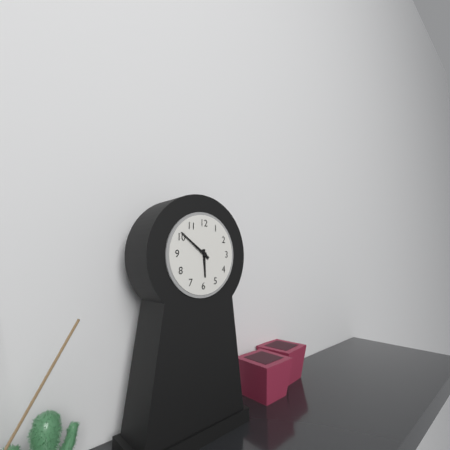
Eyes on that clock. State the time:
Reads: 5:51
